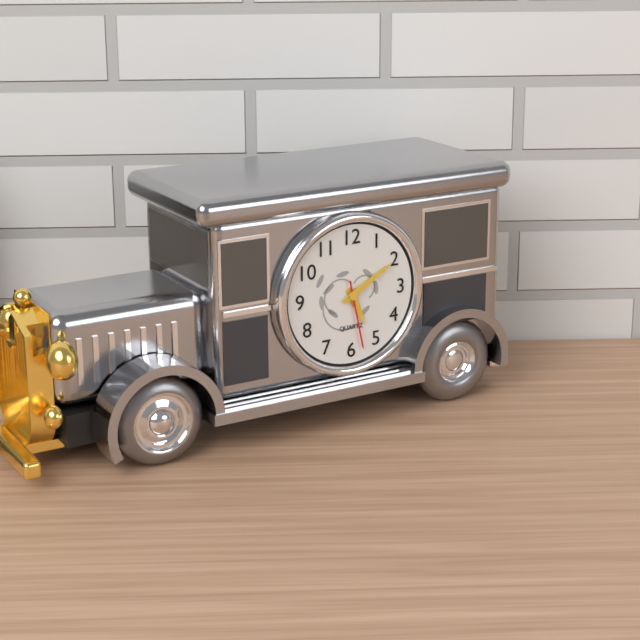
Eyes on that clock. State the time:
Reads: 5:10:28
